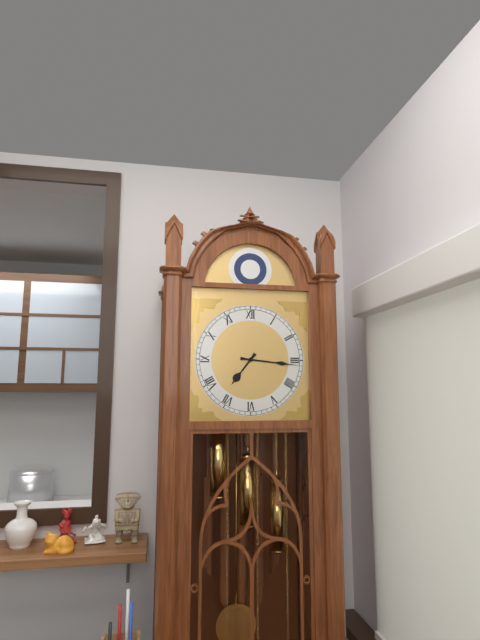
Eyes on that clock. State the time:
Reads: 7:16
